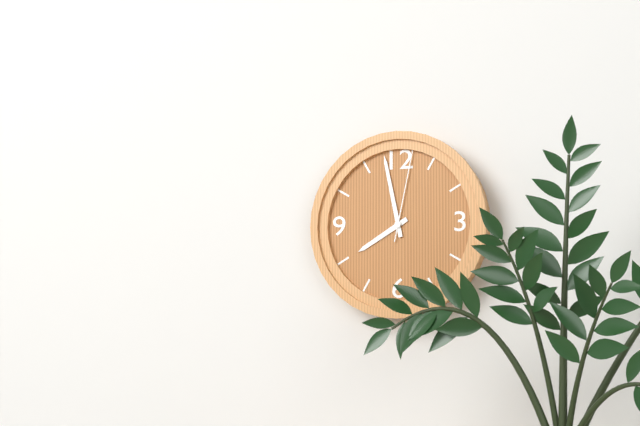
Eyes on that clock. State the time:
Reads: 7:58:02
